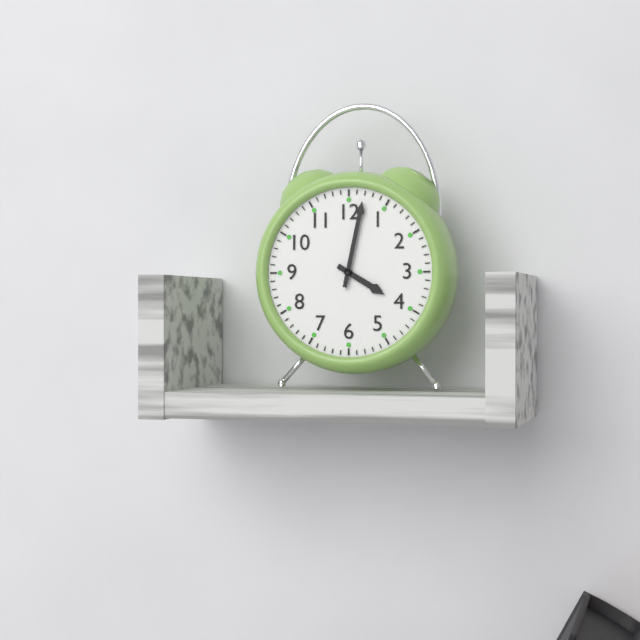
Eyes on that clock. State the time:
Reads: 4:02
